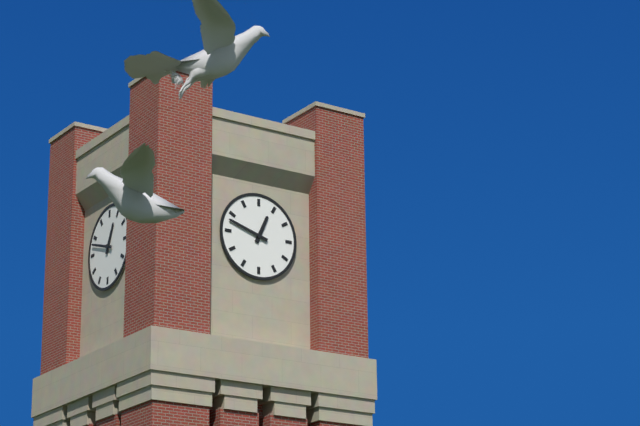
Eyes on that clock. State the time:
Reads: 12:48
